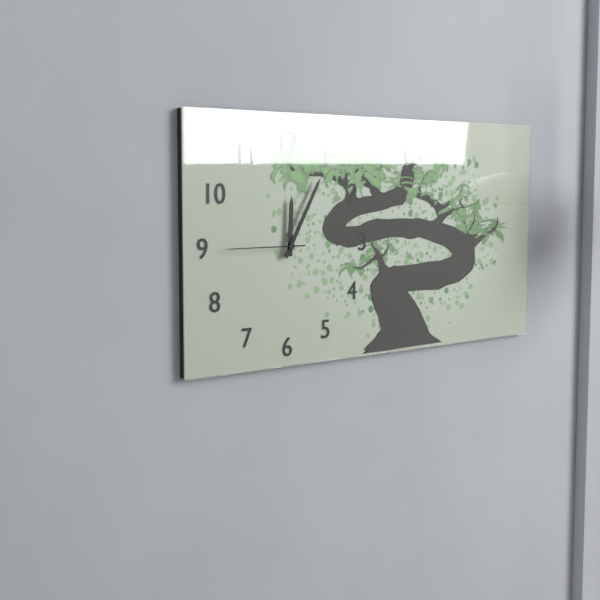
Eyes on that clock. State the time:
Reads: 12:05:45
